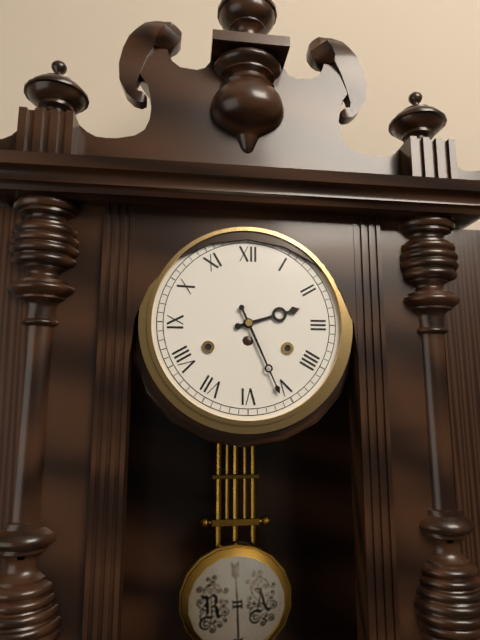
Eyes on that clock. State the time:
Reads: 2:26
